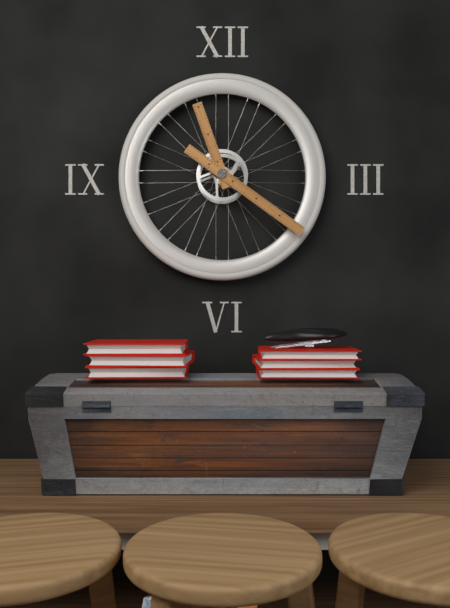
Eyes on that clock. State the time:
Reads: 11:21
